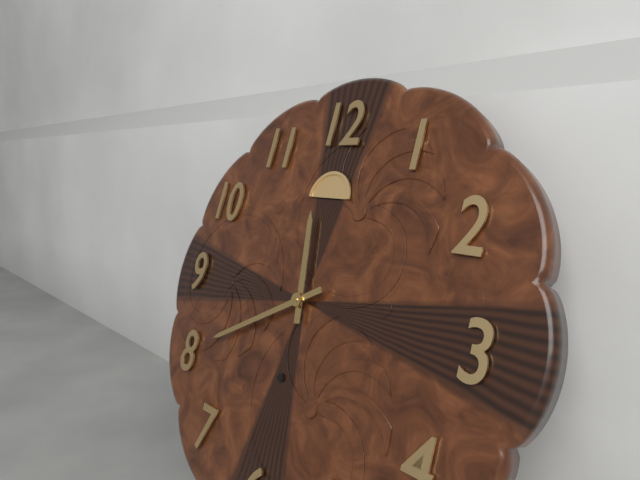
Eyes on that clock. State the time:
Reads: 11:40
